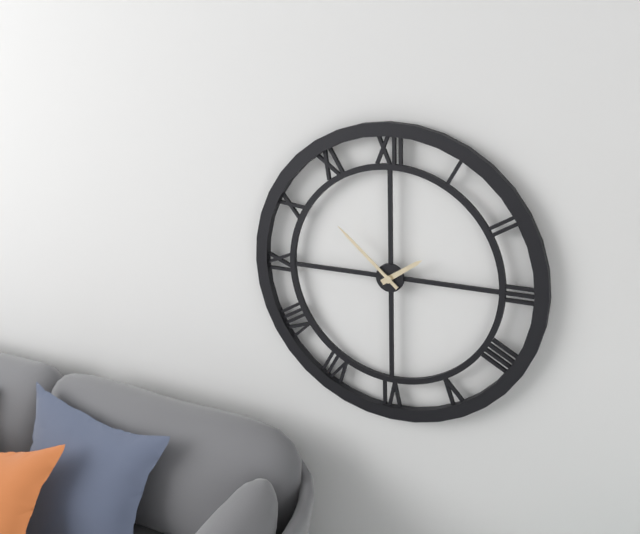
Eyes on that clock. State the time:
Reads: 1:52
